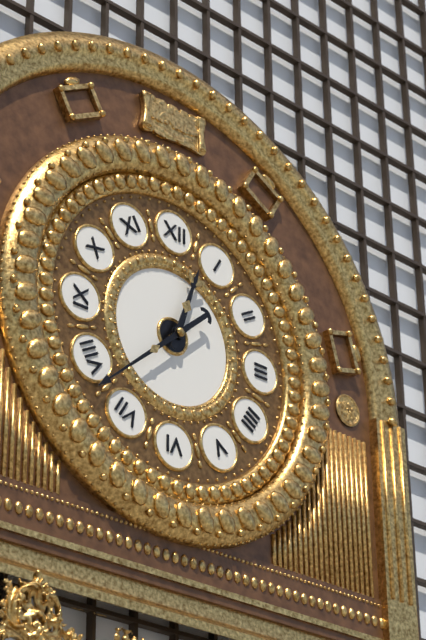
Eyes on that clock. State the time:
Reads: 12:38
